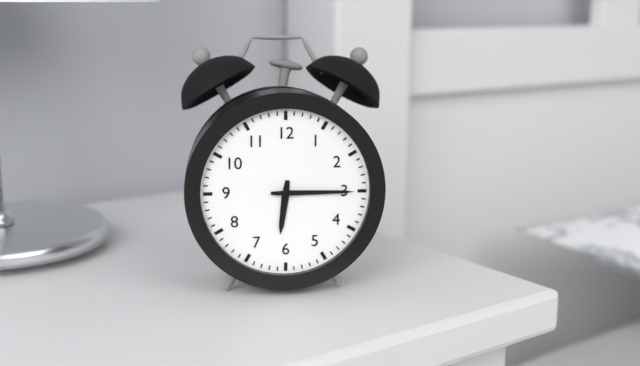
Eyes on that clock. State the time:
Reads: 6:15
